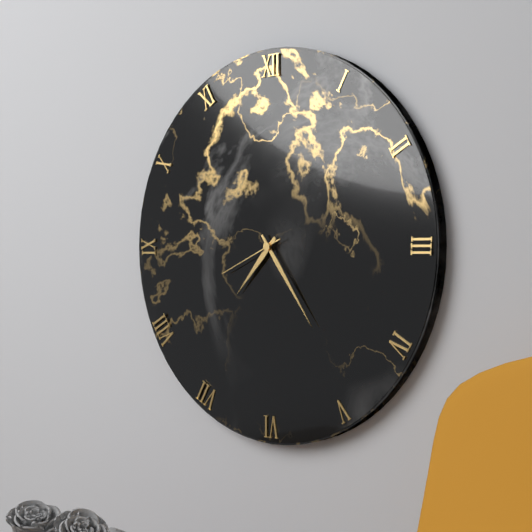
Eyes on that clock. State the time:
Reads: 7:24:41
